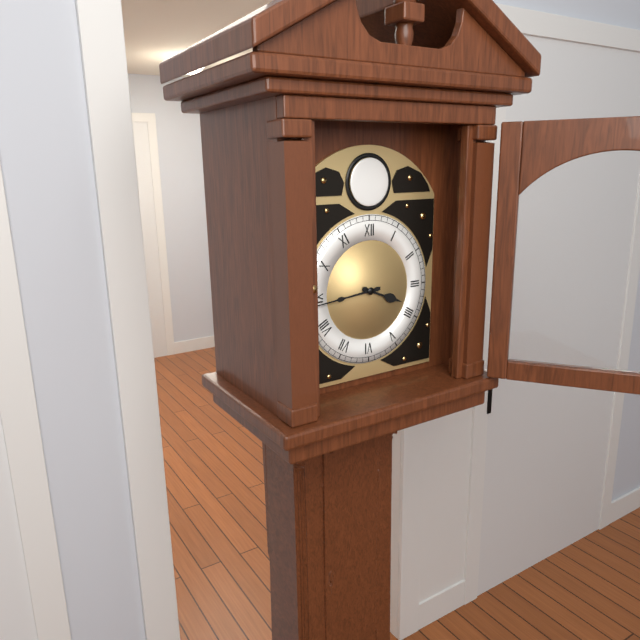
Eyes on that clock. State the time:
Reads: 3:44
